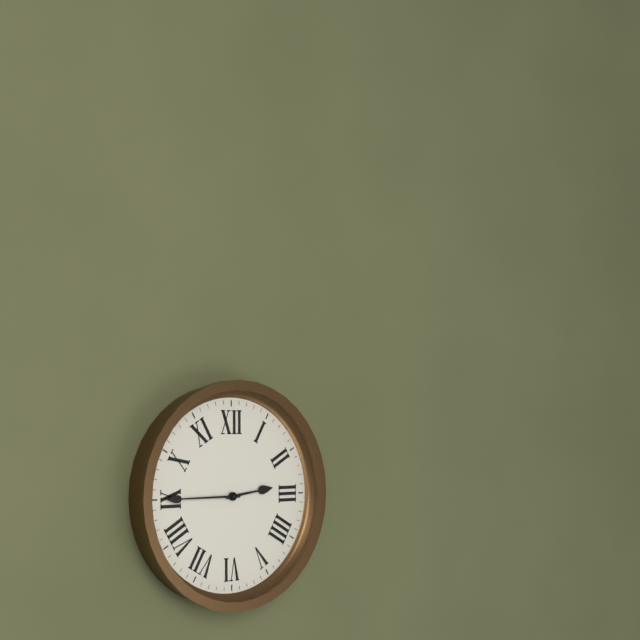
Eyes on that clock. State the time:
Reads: 2:45
